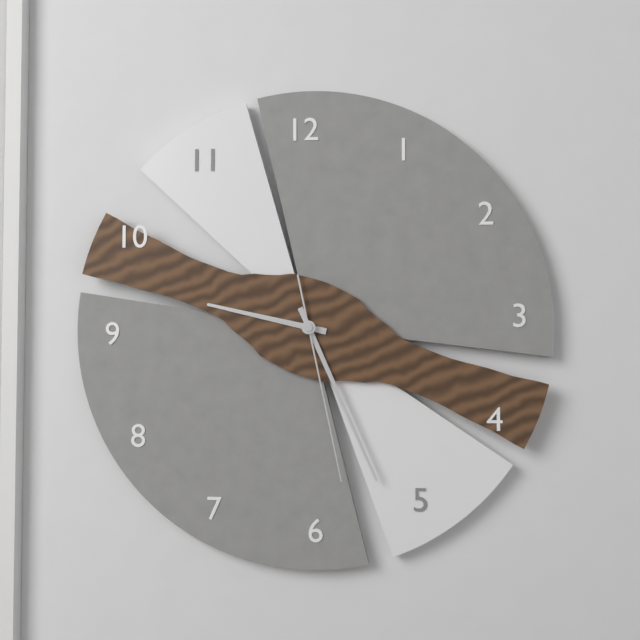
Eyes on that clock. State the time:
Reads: 9:26:28
